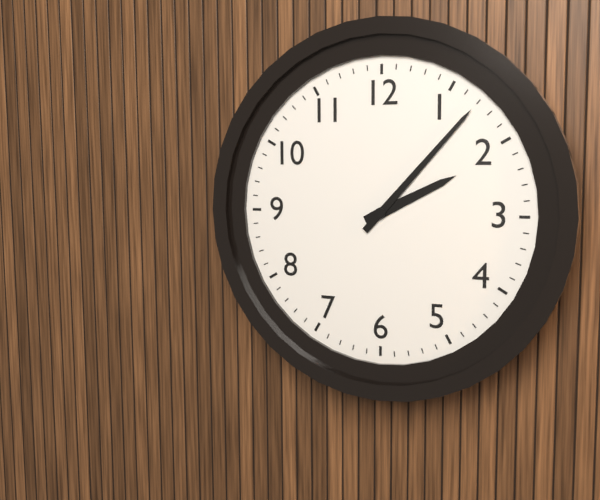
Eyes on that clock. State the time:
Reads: 2:07
